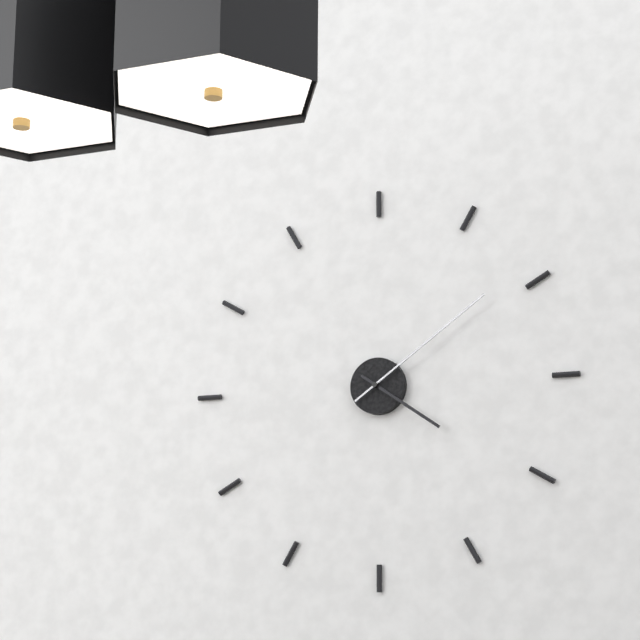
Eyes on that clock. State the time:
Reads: 4:09
